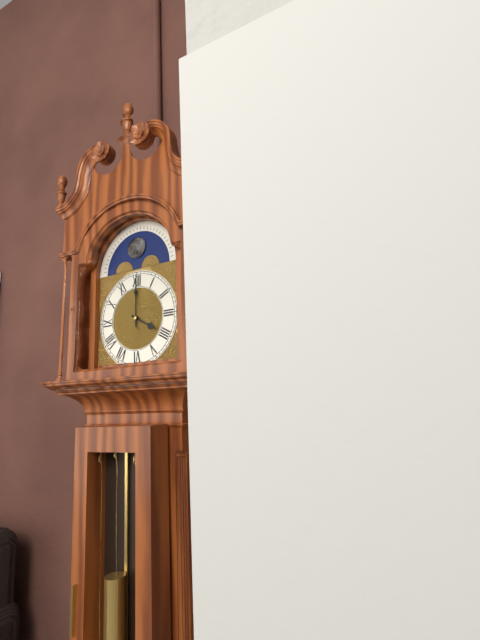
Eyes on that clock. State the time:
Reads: 4:00
